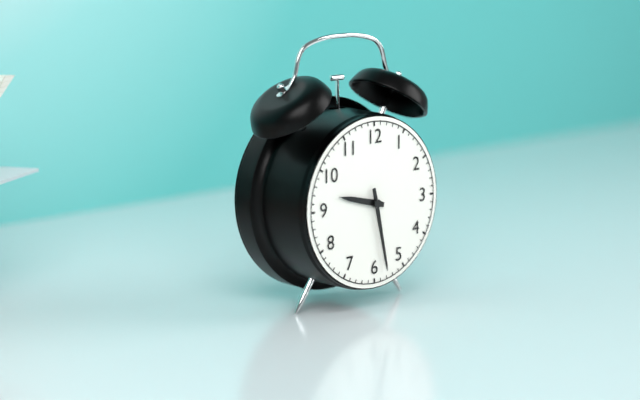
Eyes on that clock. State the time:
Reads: 9:28
